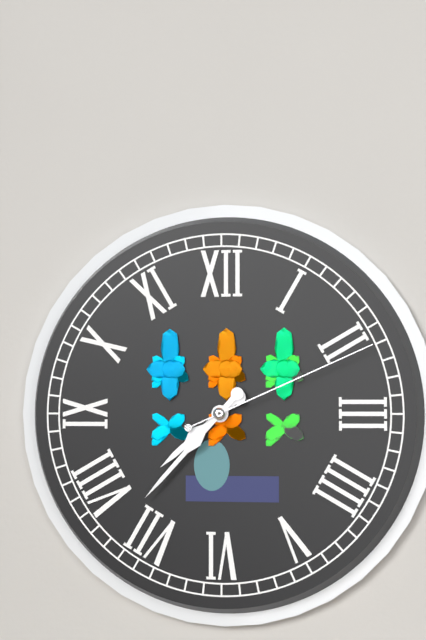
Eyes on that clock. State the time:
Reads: 7:37:11
